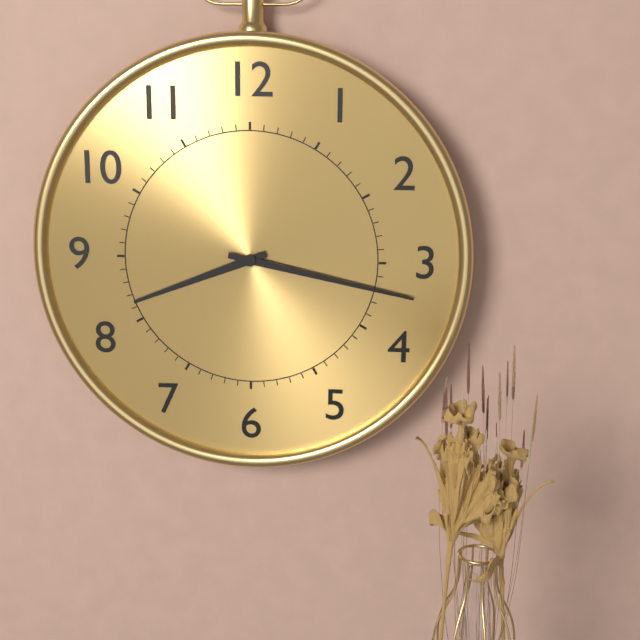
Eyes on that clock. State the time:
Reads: 8:17
